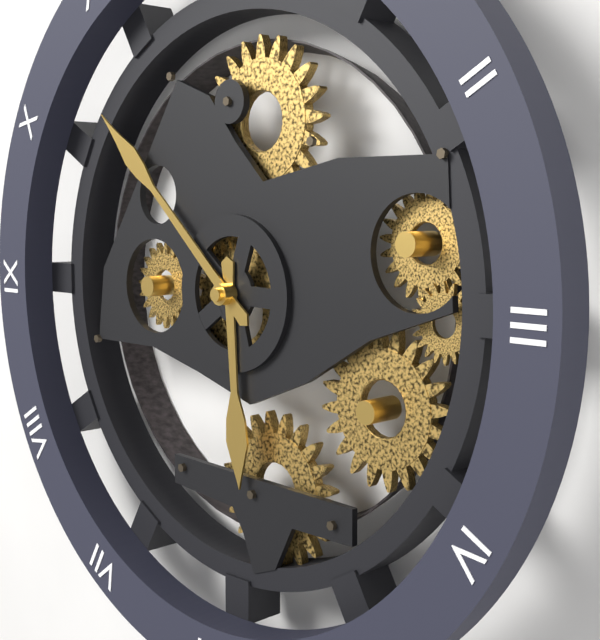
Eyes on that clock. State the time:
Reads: 5:52
